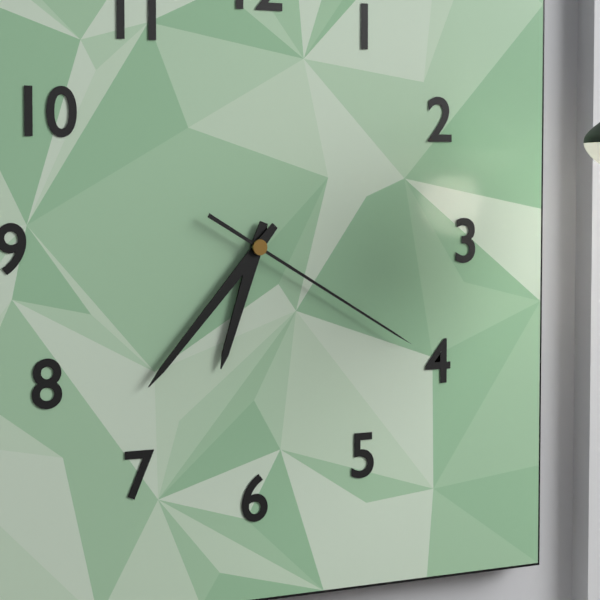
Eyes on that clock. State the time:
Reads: 6:37:20
